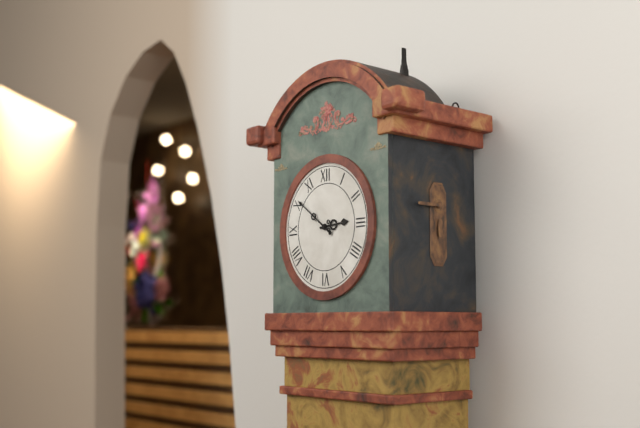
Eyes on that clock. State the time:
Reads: 2:51
